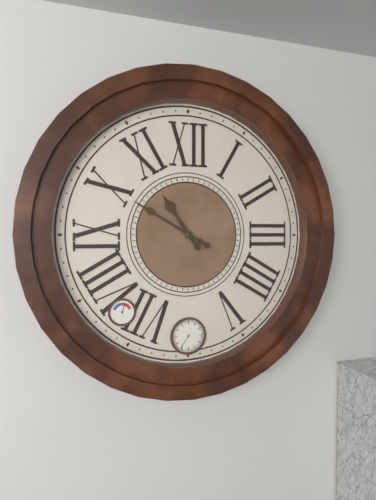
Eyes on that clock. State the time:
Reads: 10:50
